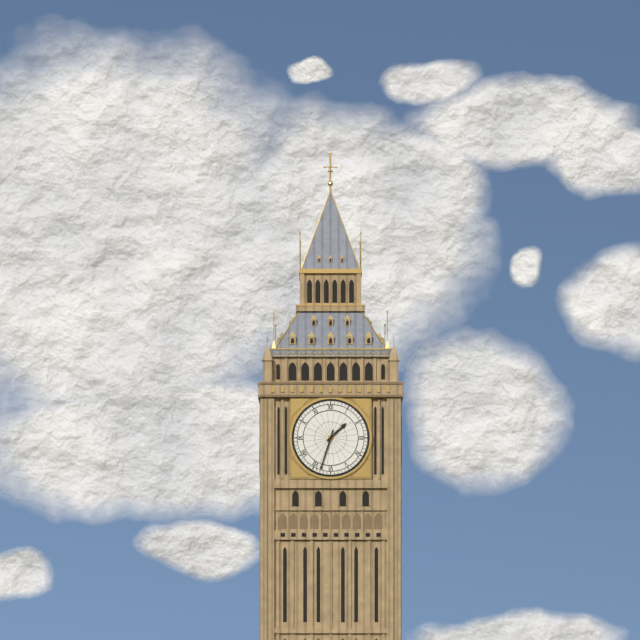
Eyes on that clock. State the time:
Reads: 1:33
